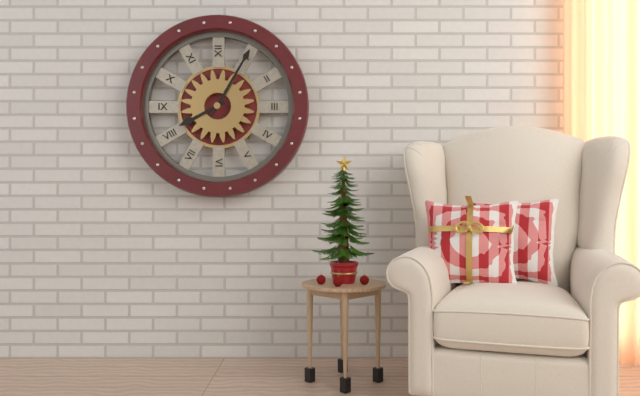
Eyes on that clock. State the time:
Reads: 8:05
